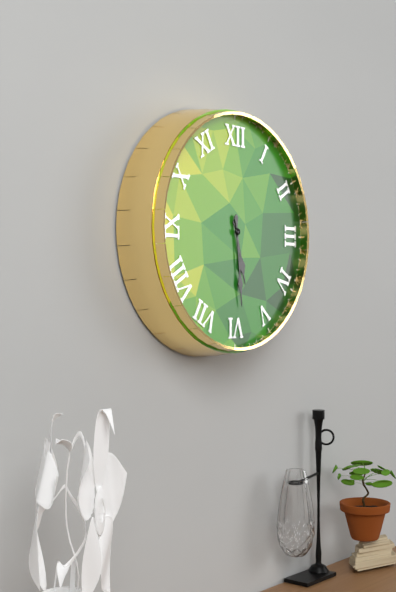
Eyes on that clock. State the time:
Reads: 5:29
